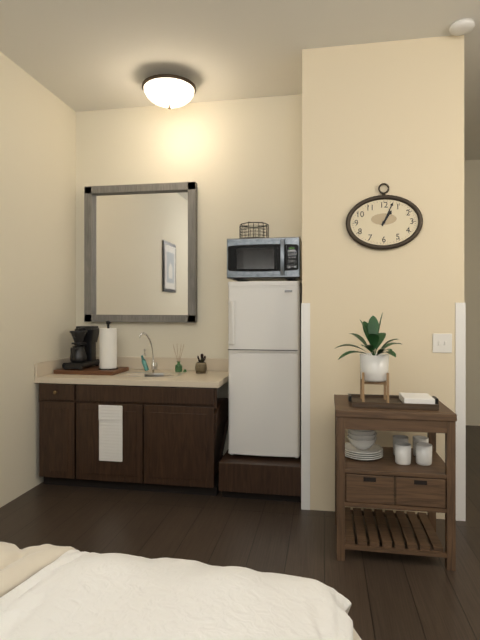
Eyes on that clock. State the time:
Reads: 1:04
